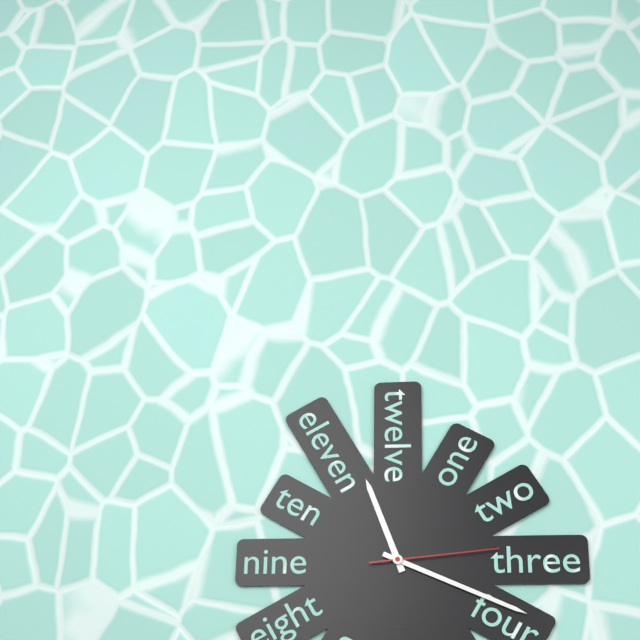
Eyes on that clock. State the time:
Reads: 11:19:14
